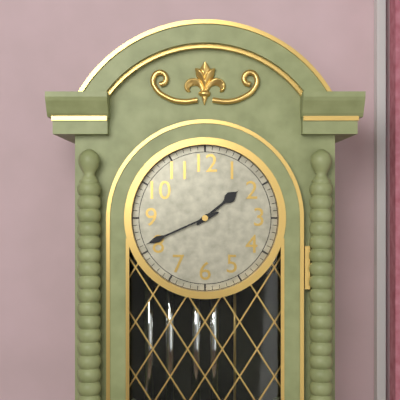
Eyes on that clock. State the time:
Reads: 1:41
